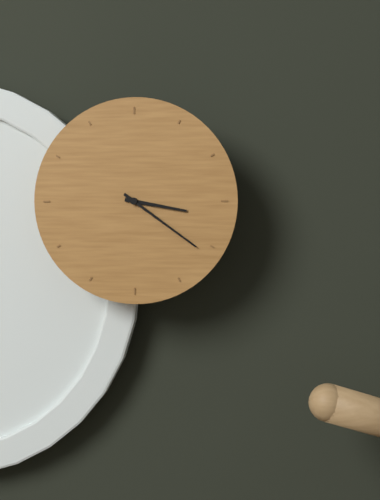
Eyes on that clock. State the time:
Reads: 3:21
